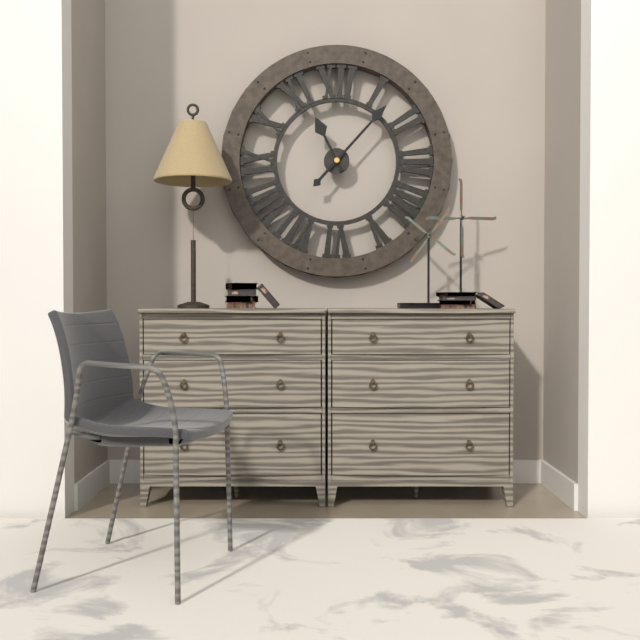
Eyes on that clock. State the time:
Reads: 11:07
